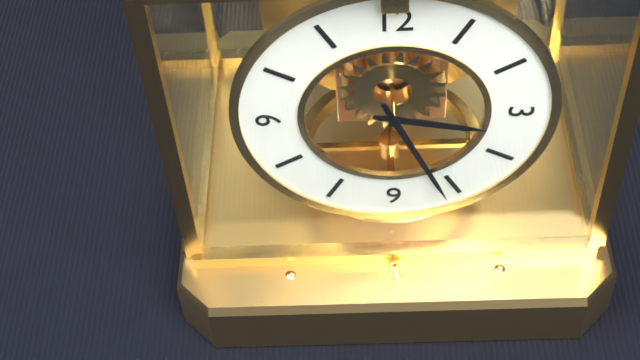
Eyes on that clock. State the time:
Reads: 3:26
